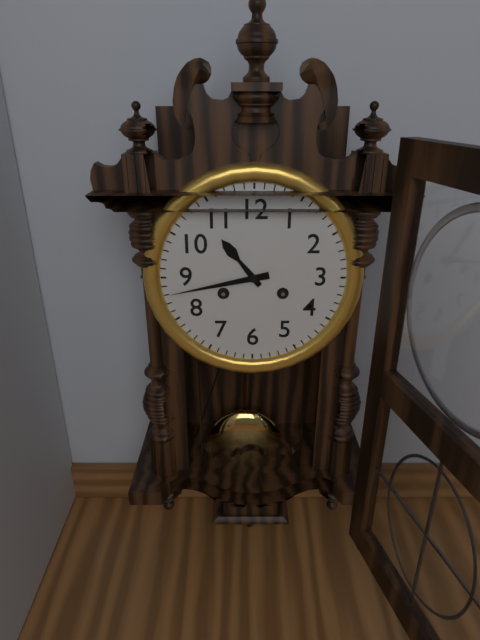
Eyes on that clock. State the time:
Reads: 10:43
